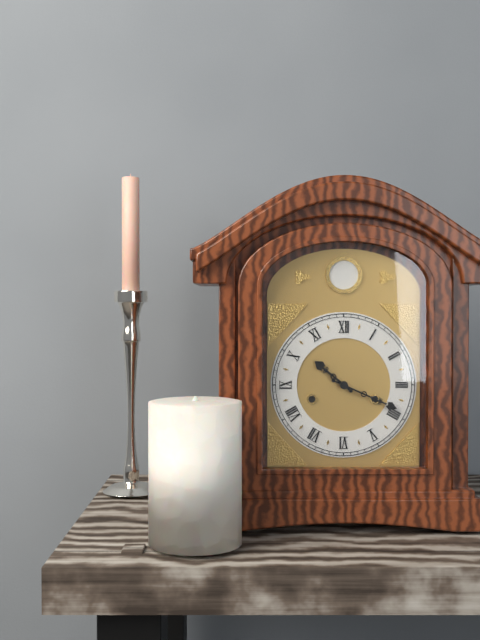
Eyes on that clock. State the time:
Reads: 10:19
